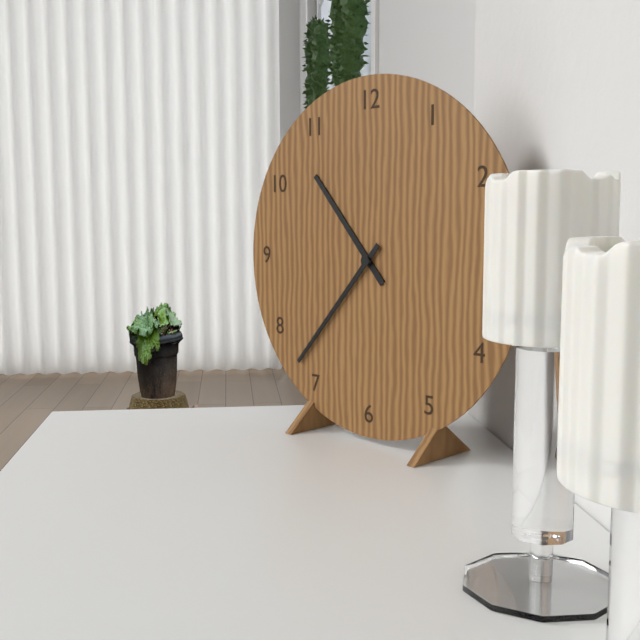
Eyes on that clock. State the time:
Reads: 10:37
